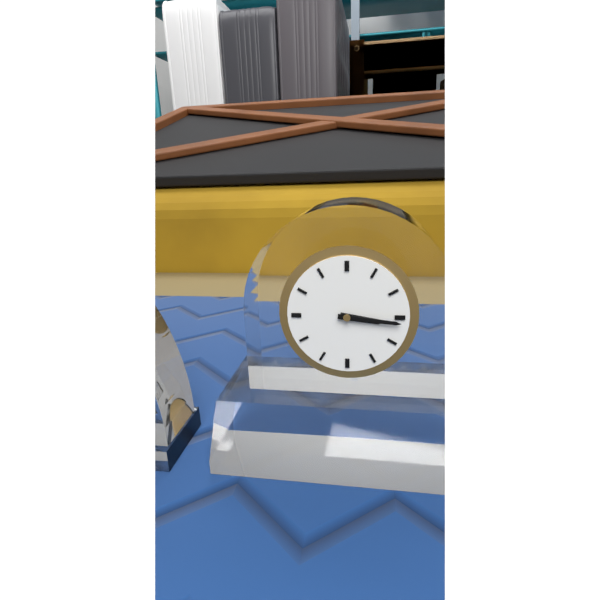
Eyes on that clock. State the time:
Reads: 3:16
